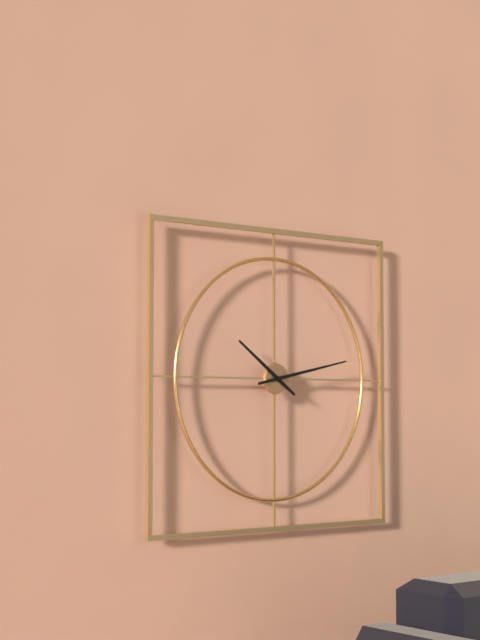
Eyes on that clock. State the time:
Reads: 10:13
